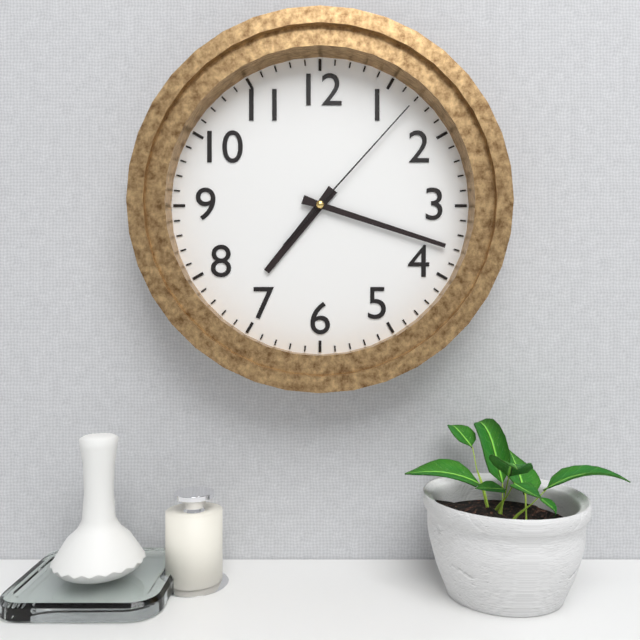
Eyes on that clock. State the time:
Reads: 7:18:07
